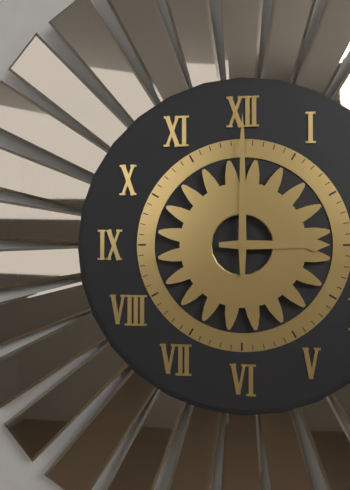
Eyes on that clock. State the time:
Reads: 3:00
